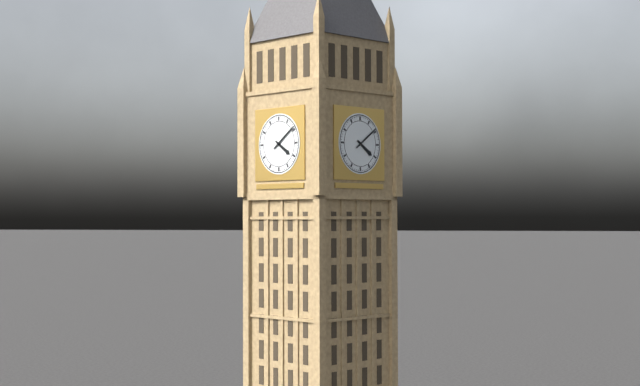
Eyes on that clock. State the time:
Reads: 4:09
